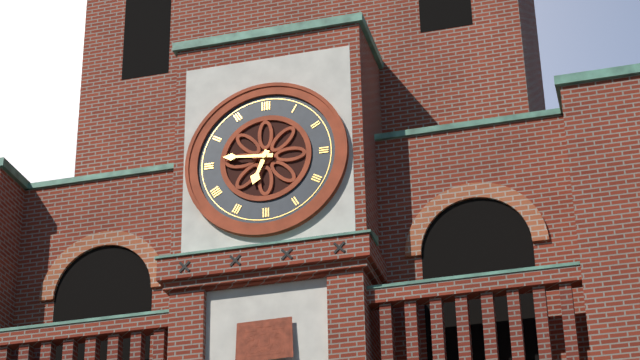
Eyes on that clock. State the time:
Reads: 6:46
